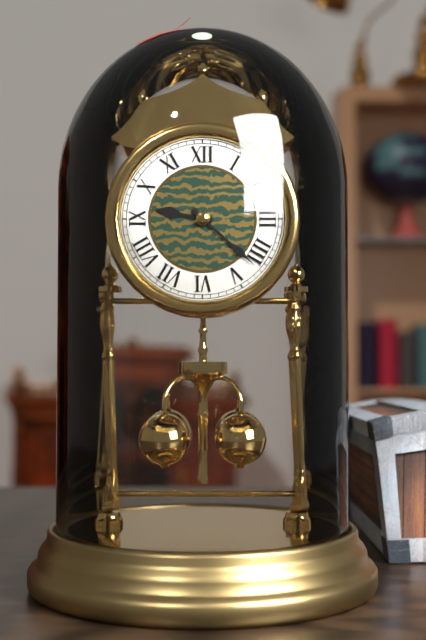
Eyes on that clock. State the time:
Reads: 9:22
